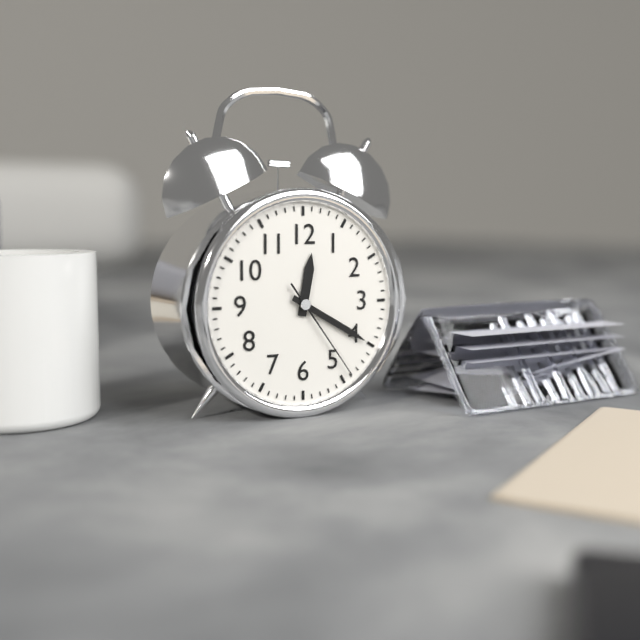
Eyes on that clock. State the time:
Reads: 12:20:24
